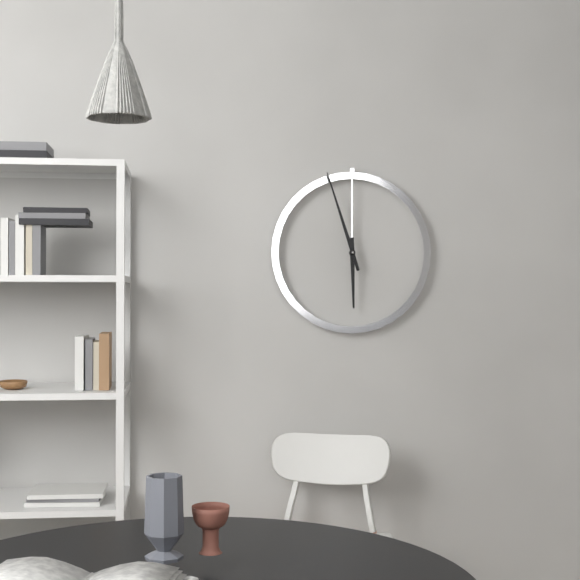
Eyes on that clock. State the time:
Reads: 5:57
